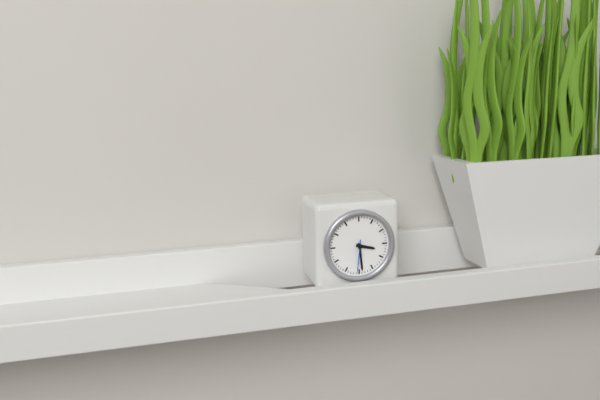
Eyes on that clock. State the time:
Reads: 3:29
